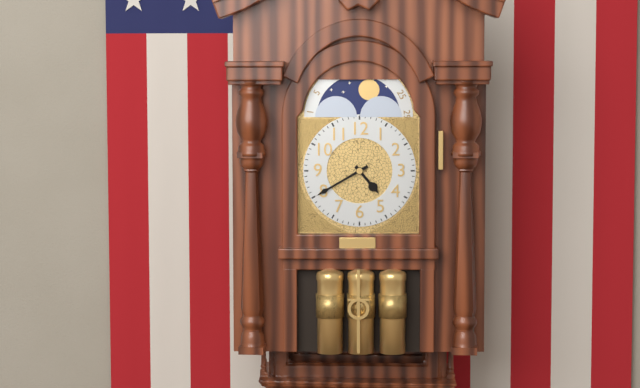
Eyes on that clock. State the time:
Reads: 4:40
